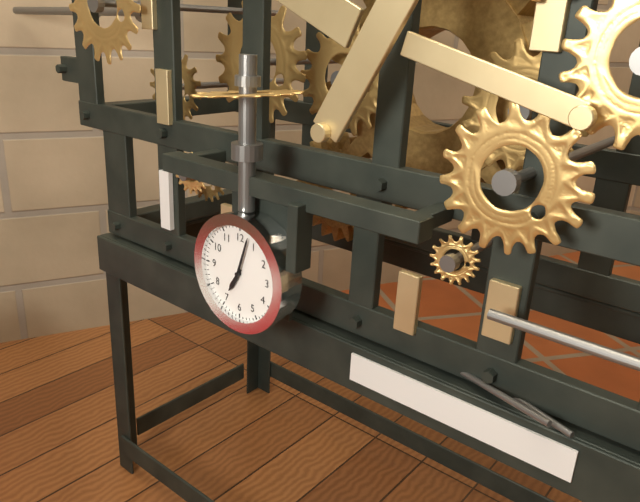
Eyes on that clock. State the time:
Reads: 7:03
